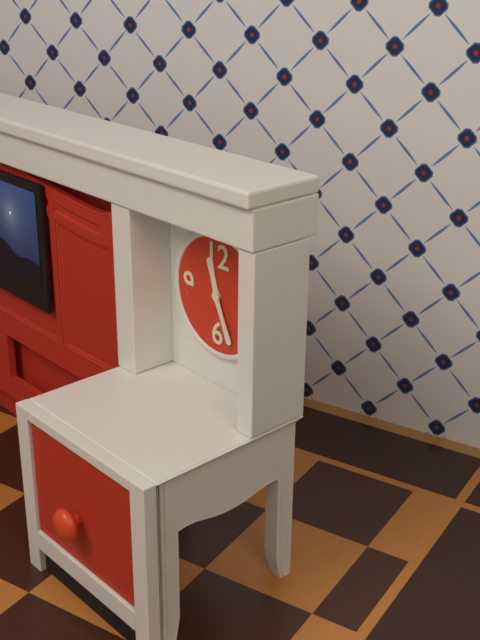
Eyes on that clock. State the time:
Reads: 11:26
